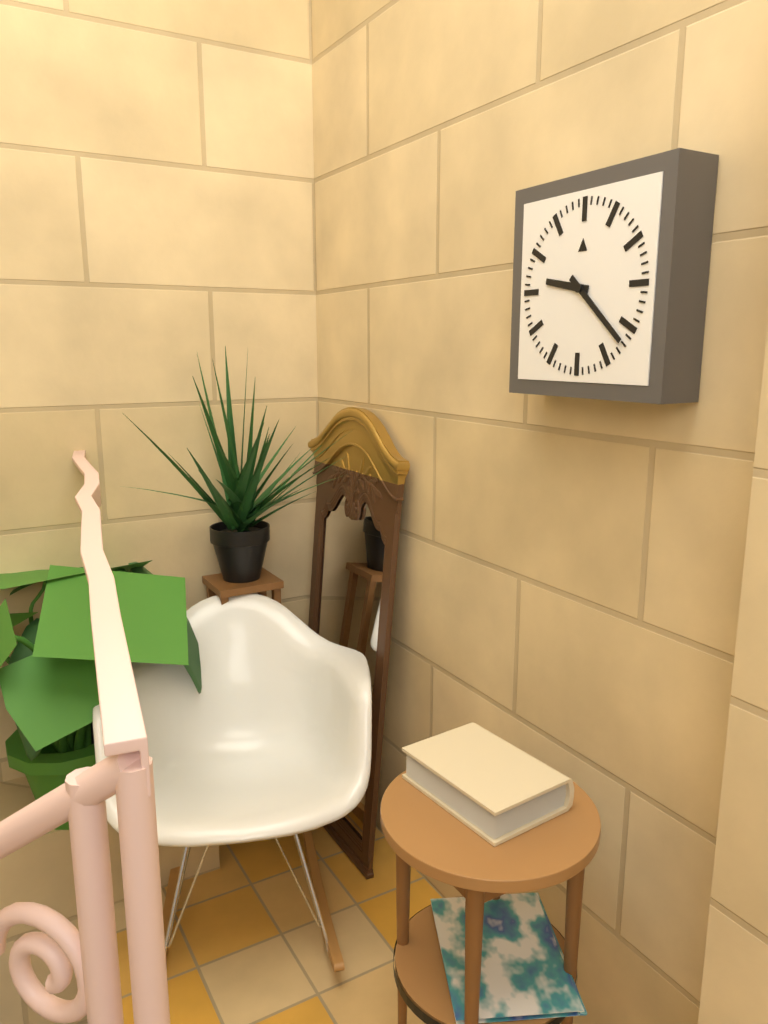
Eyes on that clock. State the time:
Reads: 9:22
